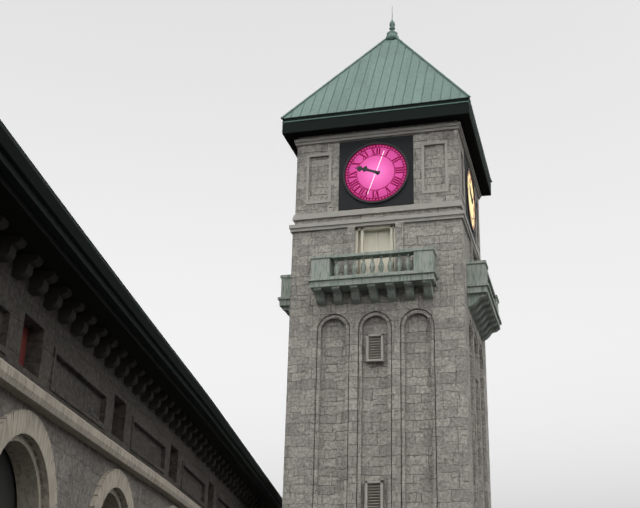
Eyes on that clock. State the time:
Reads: 9:48
